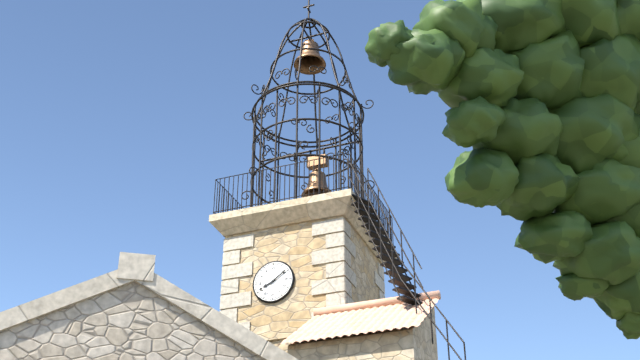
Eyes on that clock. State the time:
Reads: 8:09
